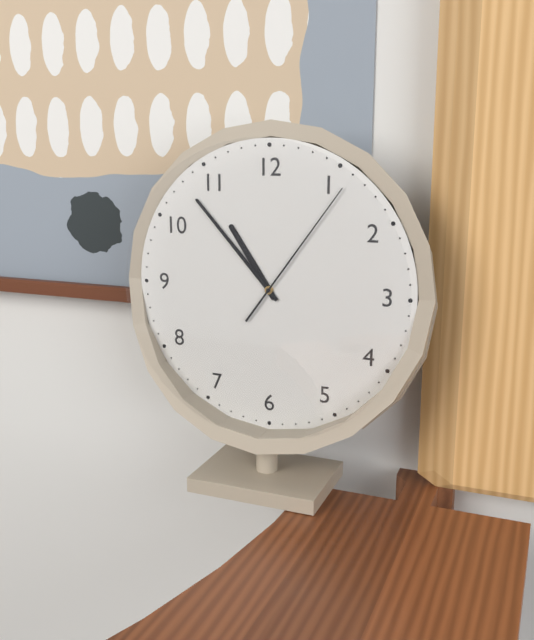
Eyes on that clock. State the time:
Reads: 10:53:06
